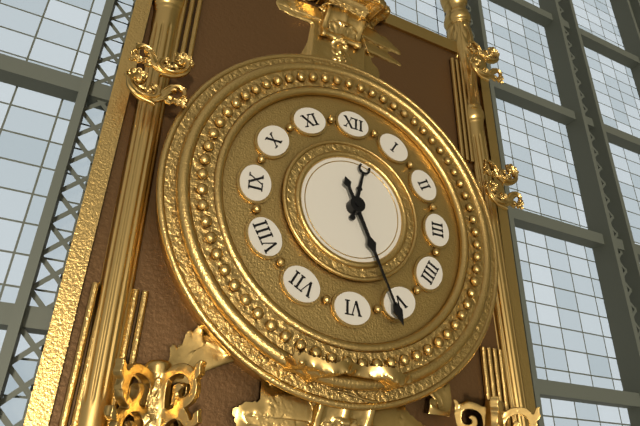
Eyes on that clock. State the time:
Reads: 12:26
